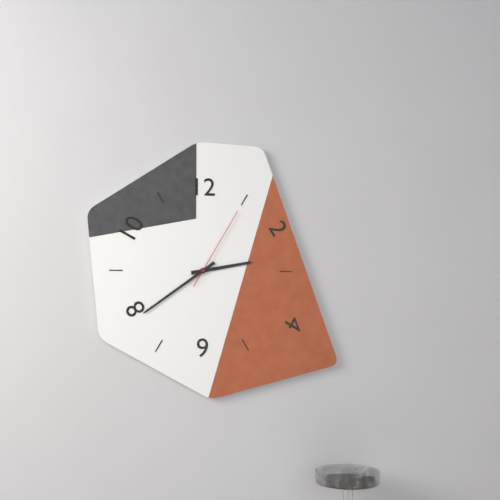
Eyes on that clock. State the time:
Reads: 2:39:05
